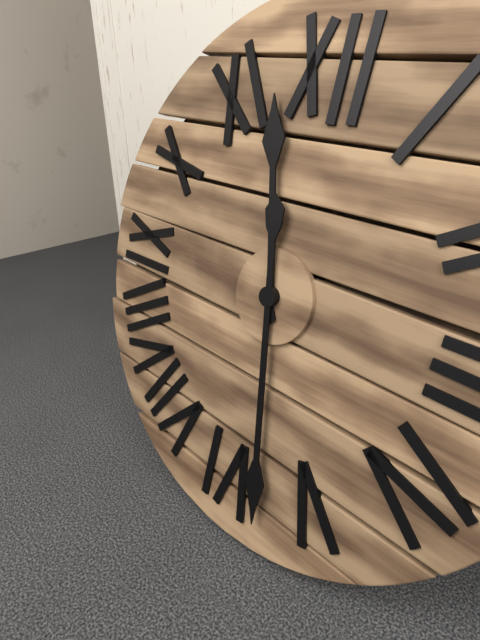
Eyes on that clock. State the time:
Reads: 11:28
